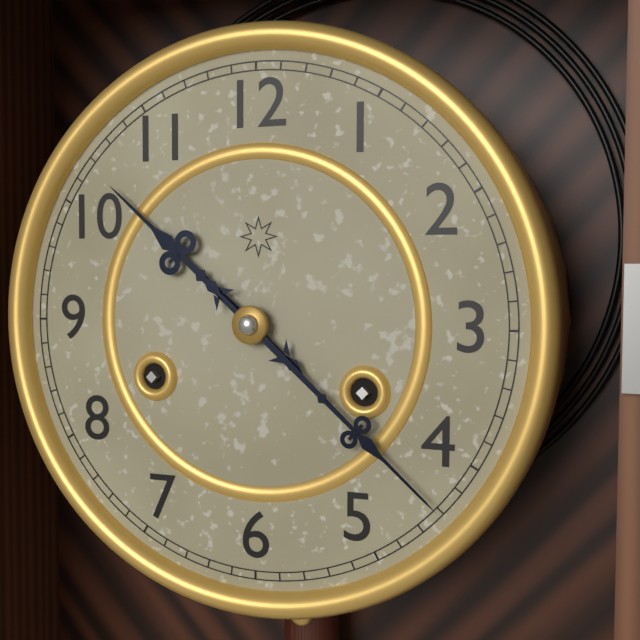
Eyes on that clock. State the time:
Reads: 10:22
